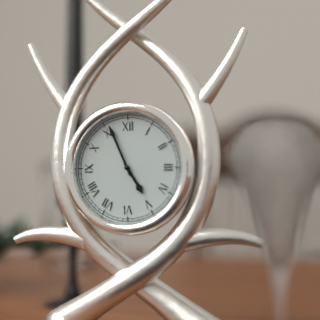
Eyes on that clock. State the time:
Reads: 4:56
